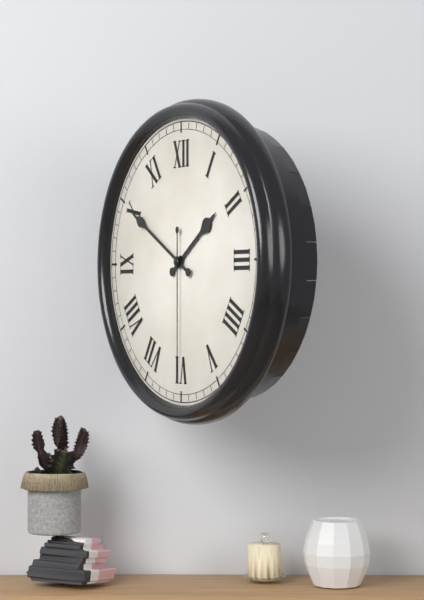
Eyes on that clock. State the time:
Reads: 1:50:30
